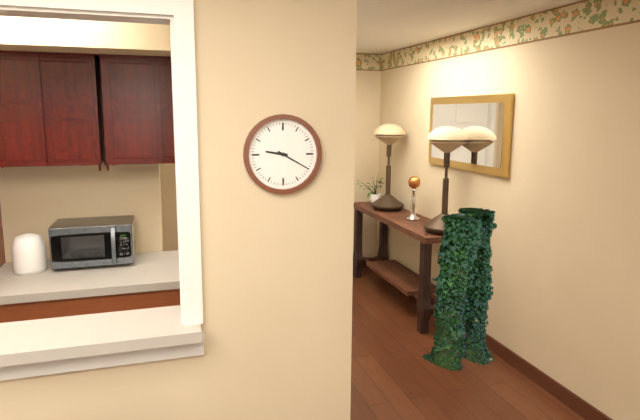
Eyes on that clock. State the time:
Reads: 9:20
